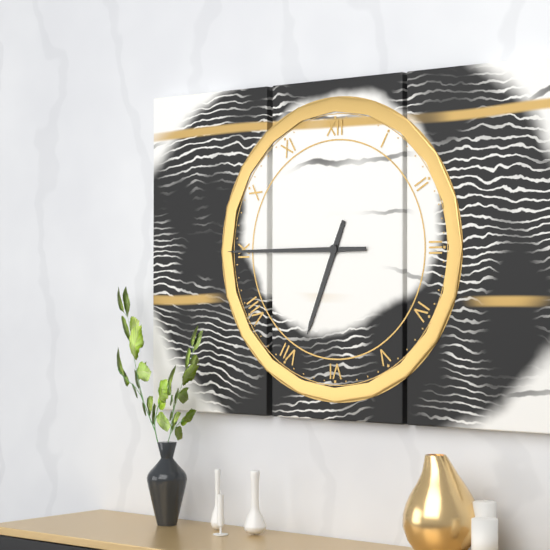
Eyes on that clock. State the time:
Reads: 6:45
